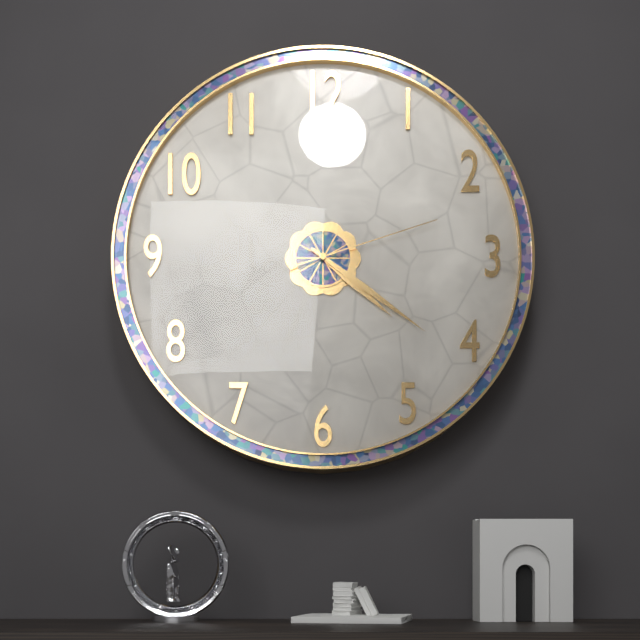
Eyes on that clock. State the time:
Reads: 4:21:12
